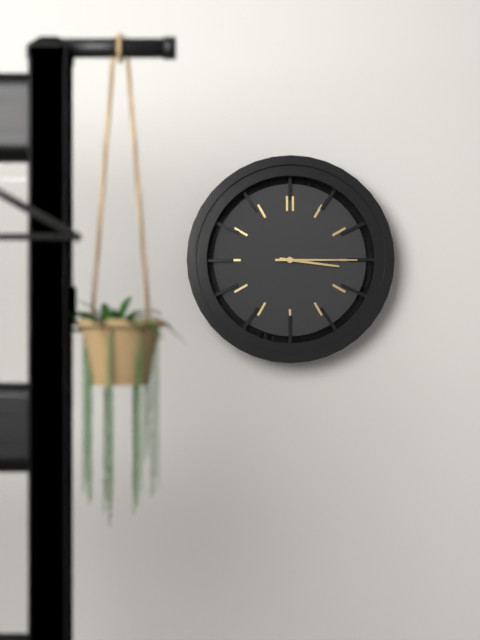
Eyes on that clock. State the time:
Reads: 3:15
